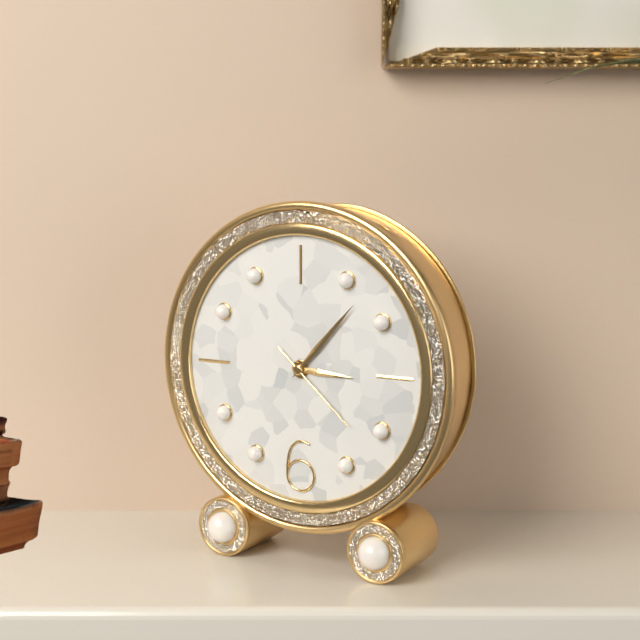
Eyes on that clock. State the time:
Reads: 3:07:22
